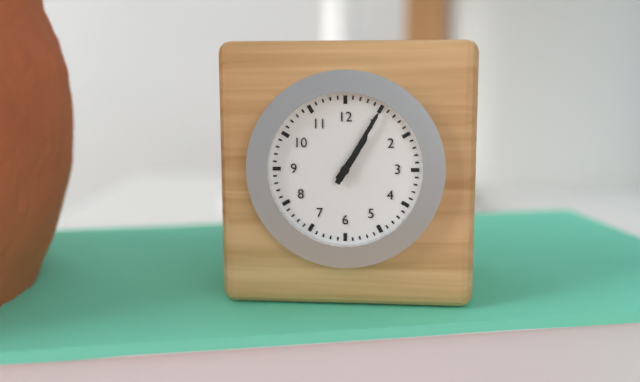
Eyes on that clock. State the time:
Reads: 1:05
